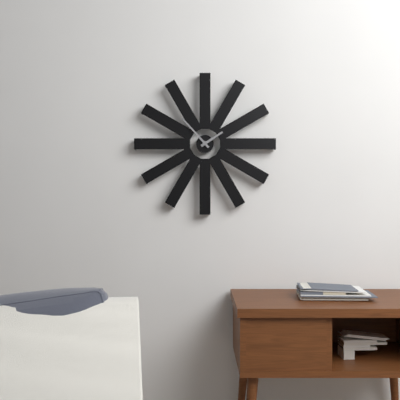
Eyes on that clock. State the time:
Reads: 1:53
